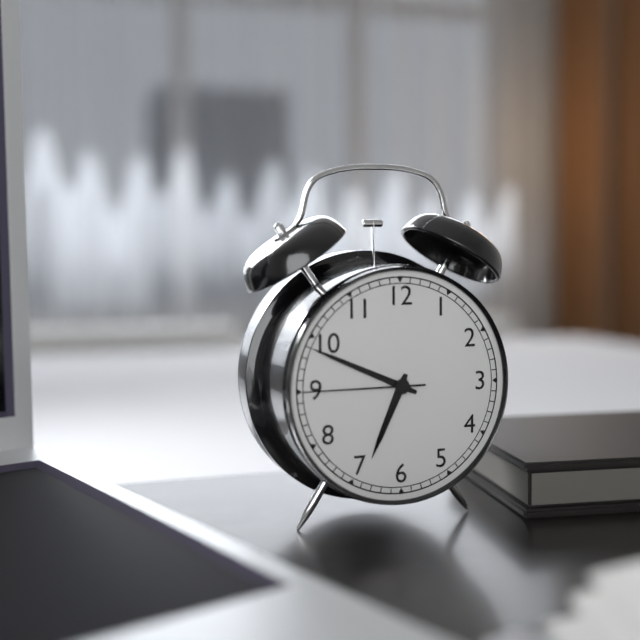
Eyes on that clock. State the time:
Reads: 6:49:45
